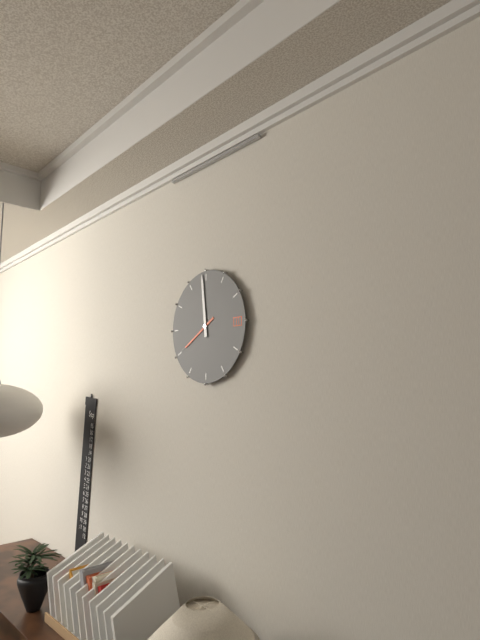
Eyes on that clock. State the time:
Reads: 7:59
